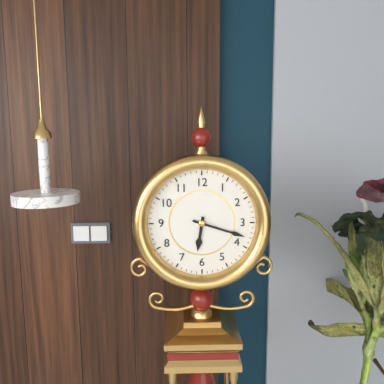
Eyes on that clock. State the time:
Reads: 6:18
